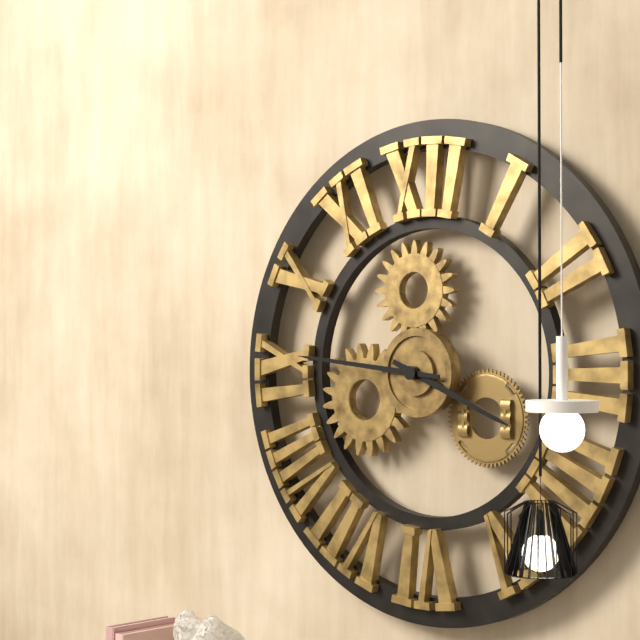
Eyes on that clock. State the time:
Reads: 3:46
